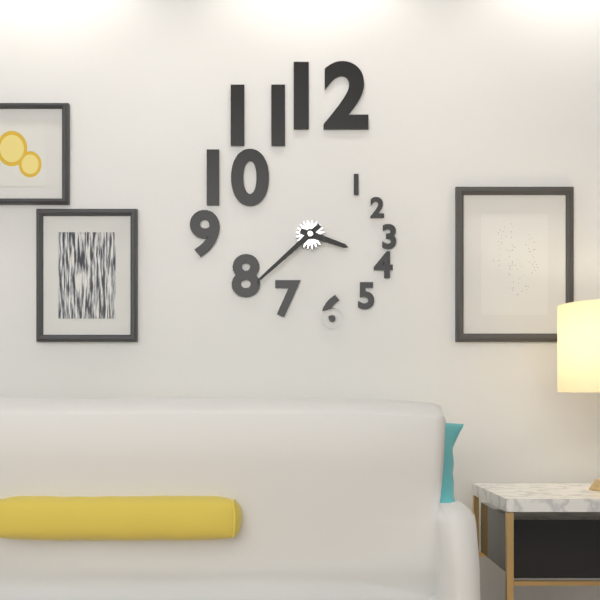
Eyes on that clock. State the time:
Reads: 3:38
